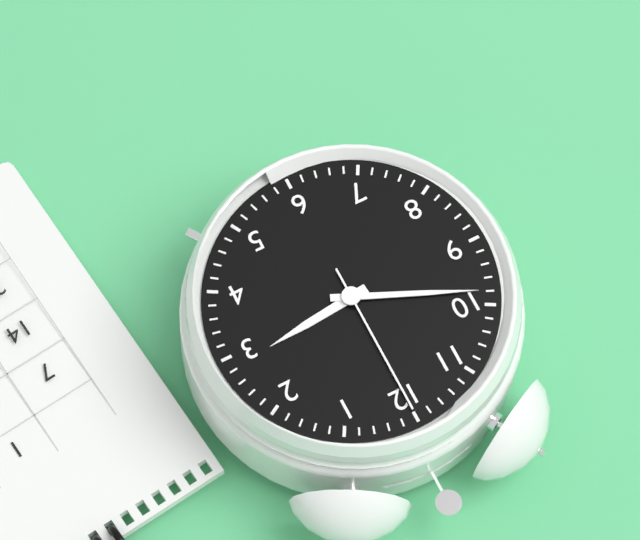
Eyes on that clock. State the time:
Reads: 2:49:00
